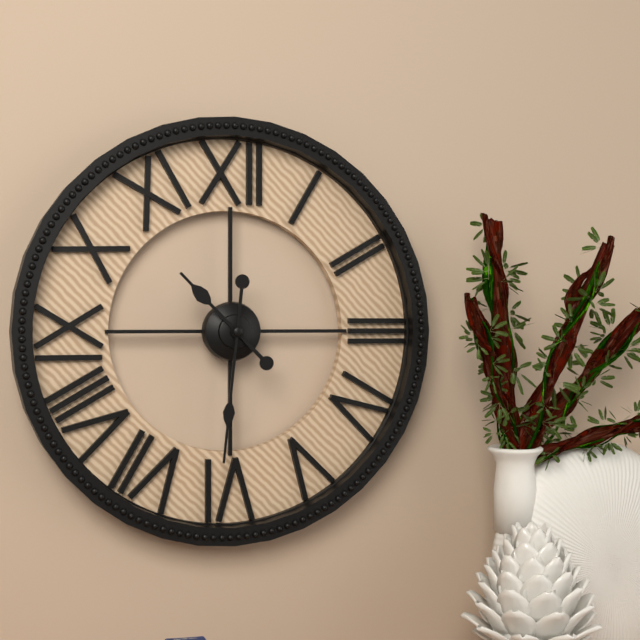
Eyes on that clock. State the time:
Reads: 10:31
